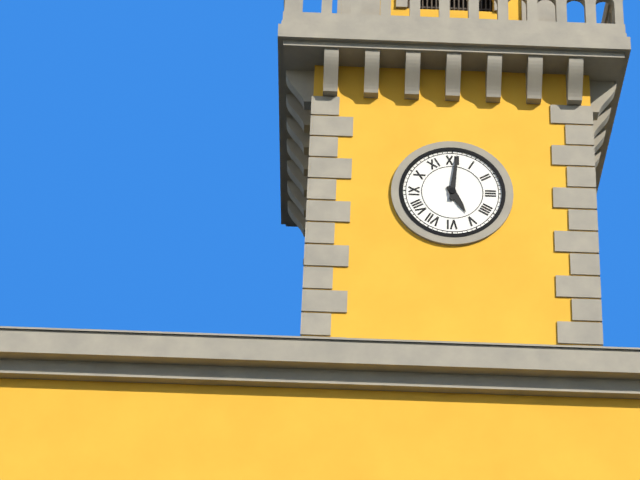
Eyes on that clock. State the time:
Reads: 5:01
